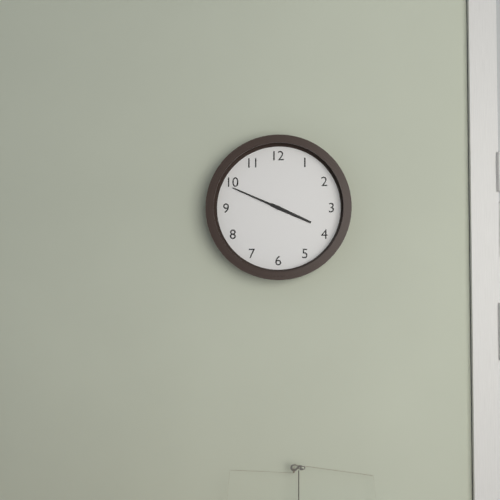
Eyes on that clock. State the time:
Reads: 3:49
